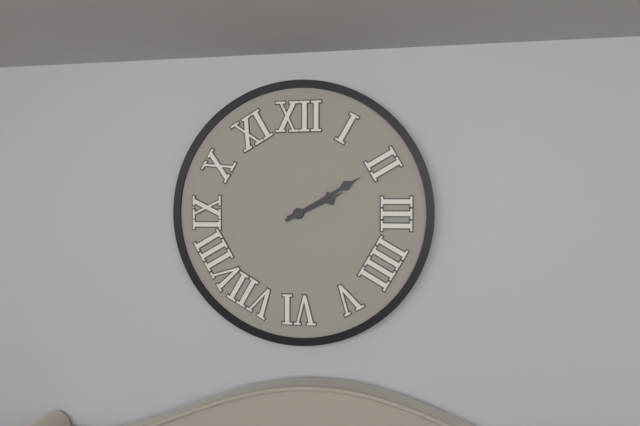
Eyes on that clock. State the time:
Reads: 2:10
